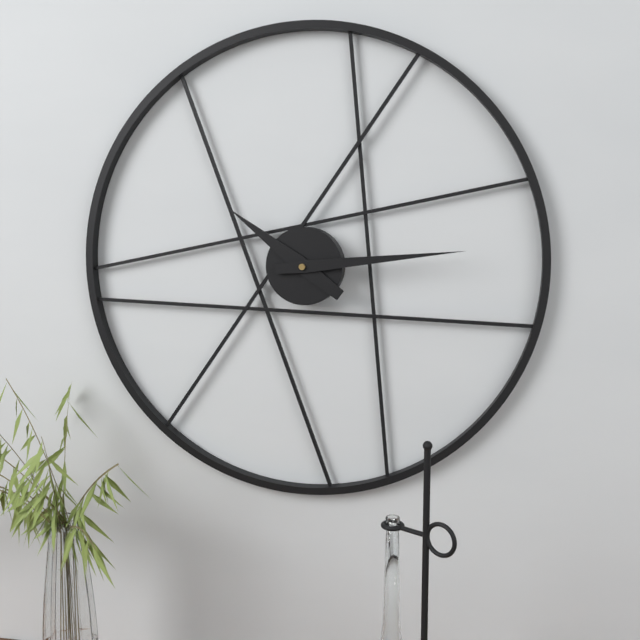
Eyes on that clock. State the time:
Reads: 10:14
